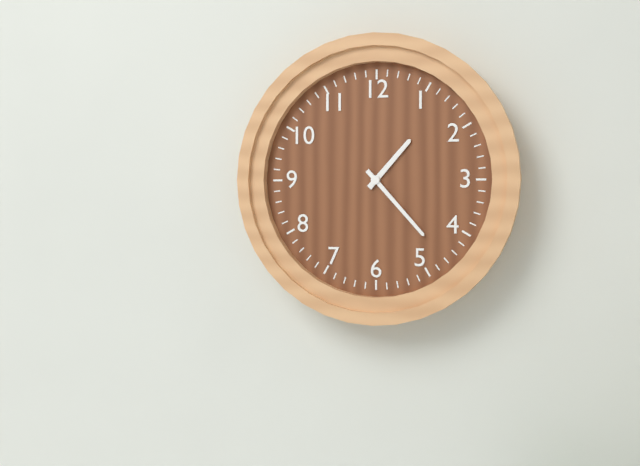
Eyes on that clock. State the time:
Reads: 1:23
